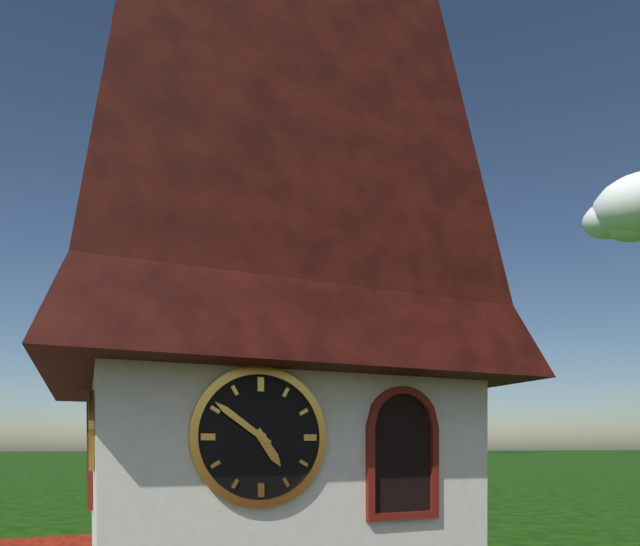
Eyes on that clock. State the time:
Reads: 4:51
